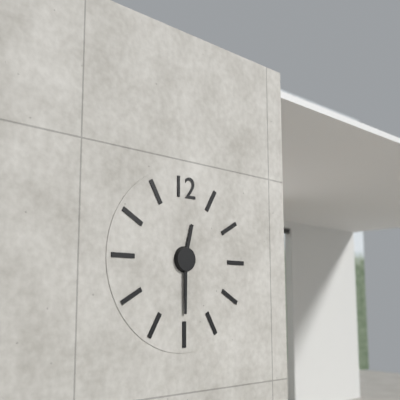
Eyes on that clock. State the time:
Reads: 12:30
